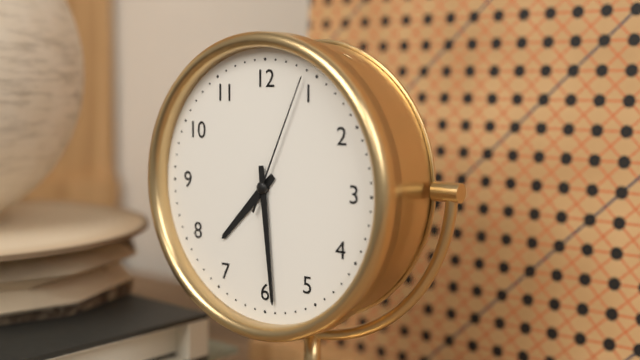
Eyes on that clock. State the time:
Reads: 7:29:04
